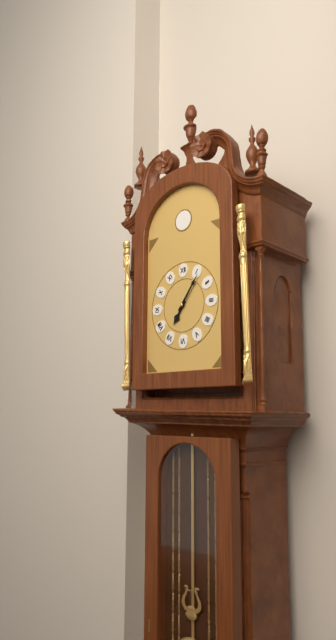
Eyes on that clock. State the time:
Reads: 7:06
